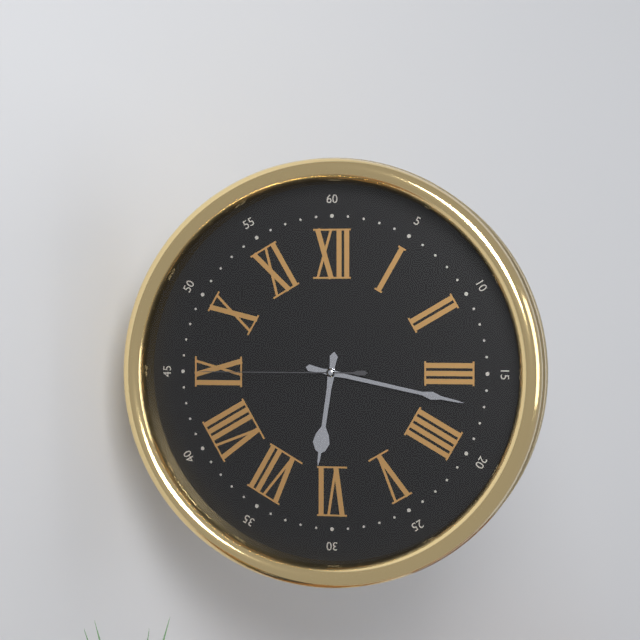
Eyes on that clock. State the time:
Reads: 6:17:45
